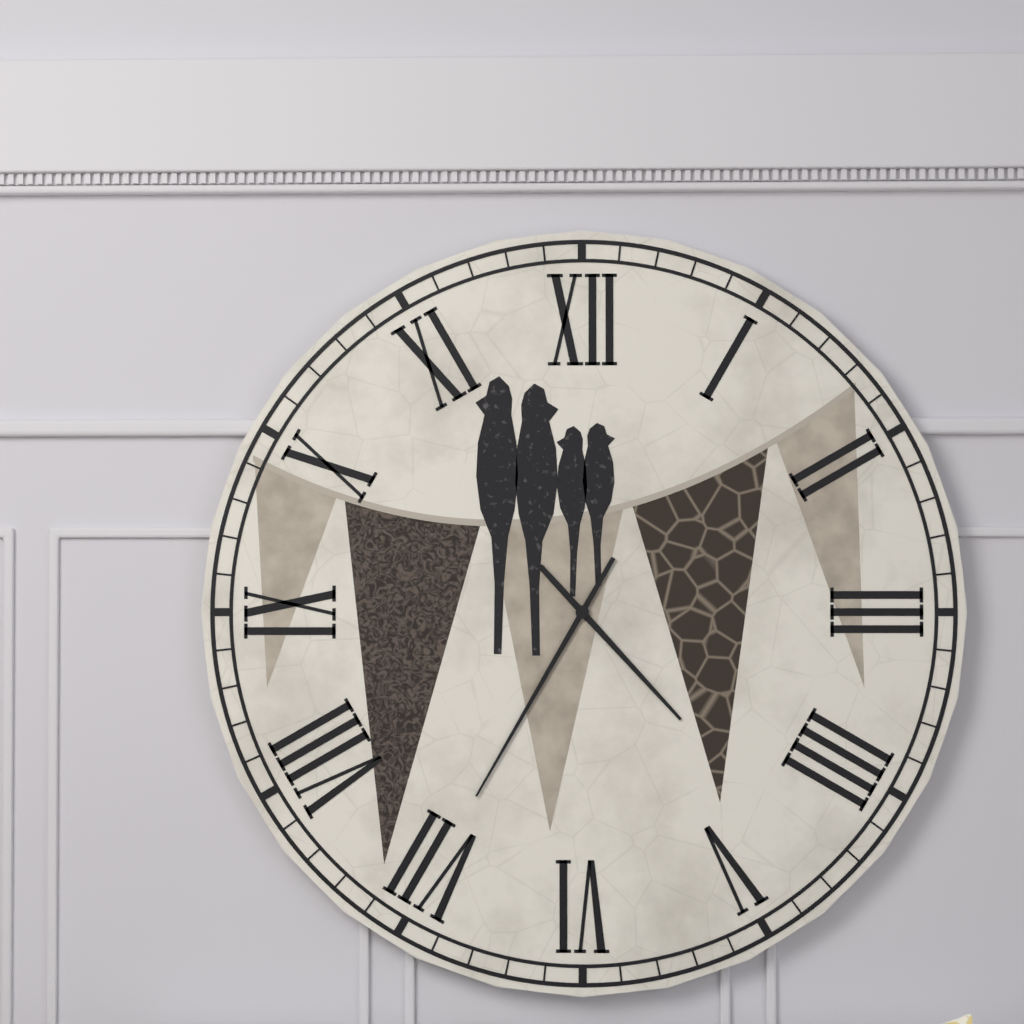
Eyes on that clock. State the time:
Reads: 4:35
